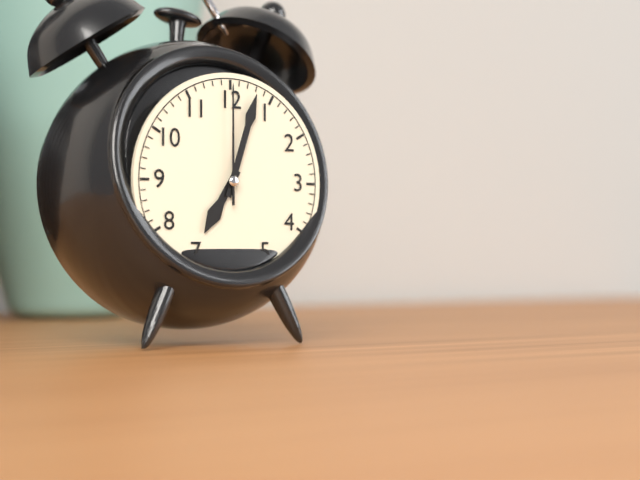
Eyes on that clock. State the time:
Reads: 7:03:00
